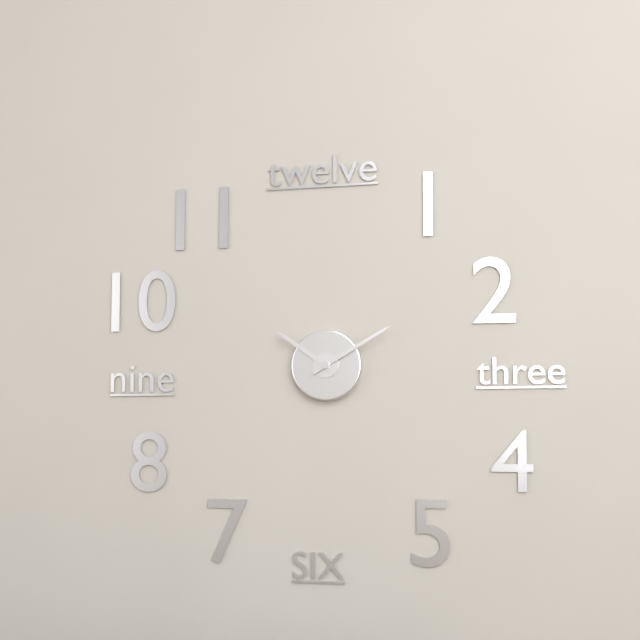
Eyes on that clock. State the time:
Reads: 10:10
